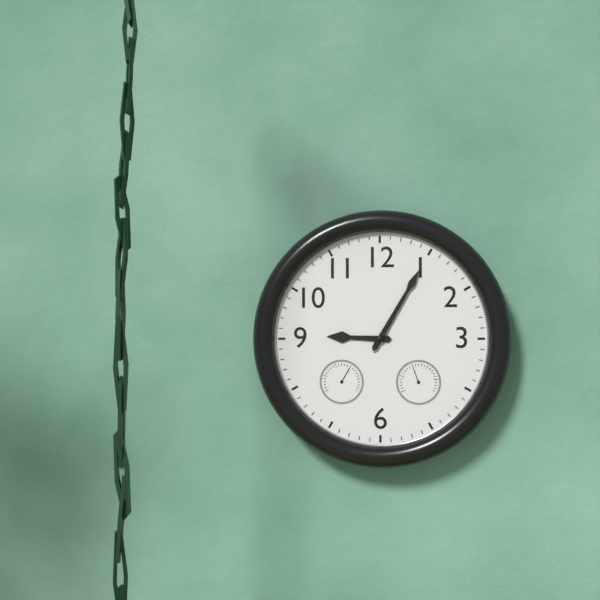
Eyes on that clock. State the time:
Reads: 9:05
